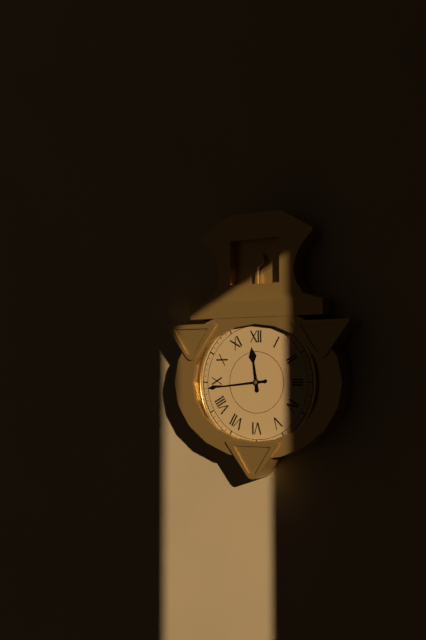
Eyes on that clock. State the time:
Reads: 11:44
